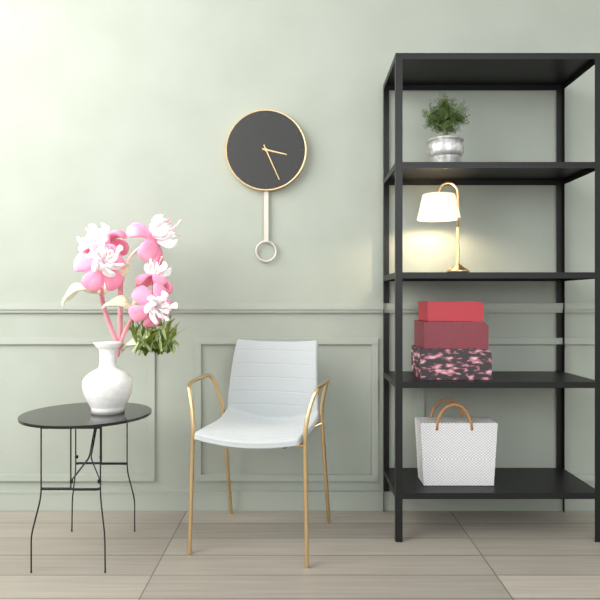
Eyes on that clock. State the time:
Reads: 3:26
